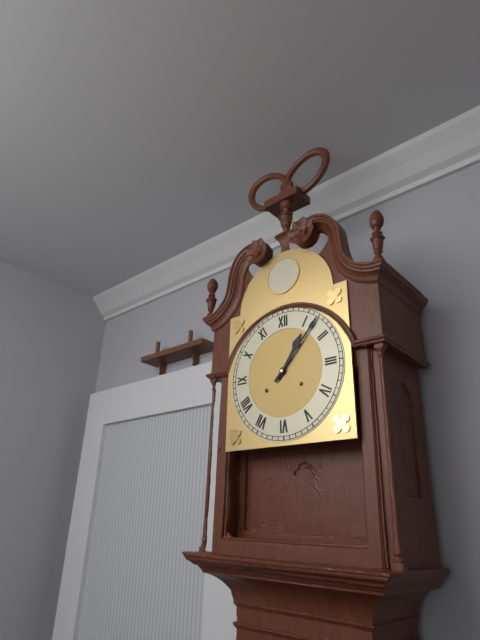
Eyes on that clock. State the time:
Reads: 1:07
